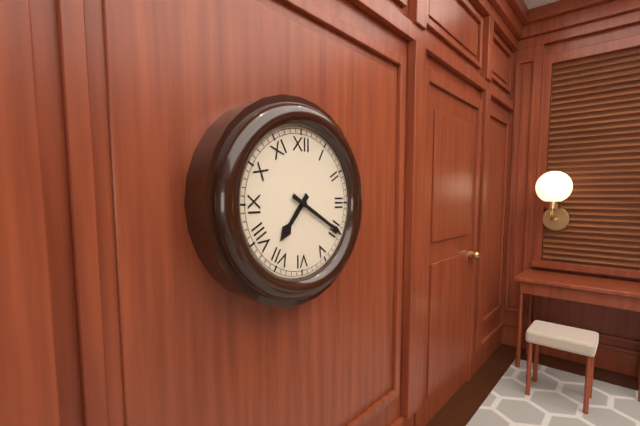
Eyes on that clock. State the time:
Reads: 7:20
